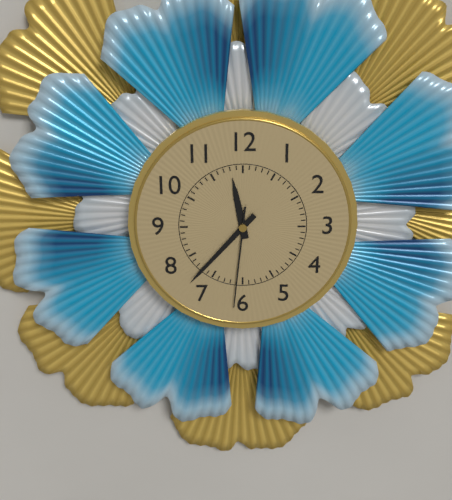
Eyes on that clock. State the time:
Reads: 11:37:31
